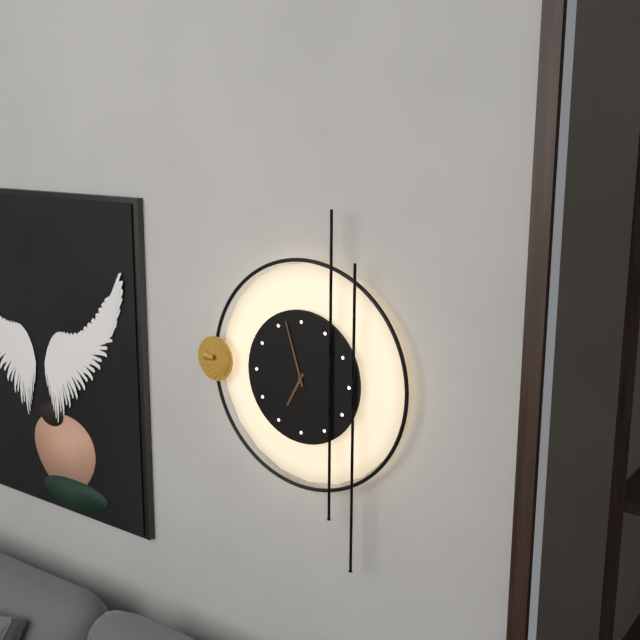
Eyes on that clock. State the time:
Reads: 6:57
